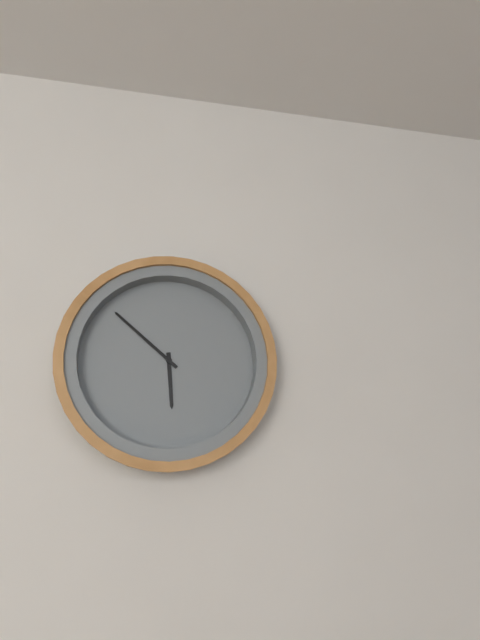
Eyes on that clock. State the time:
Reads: 5:52
